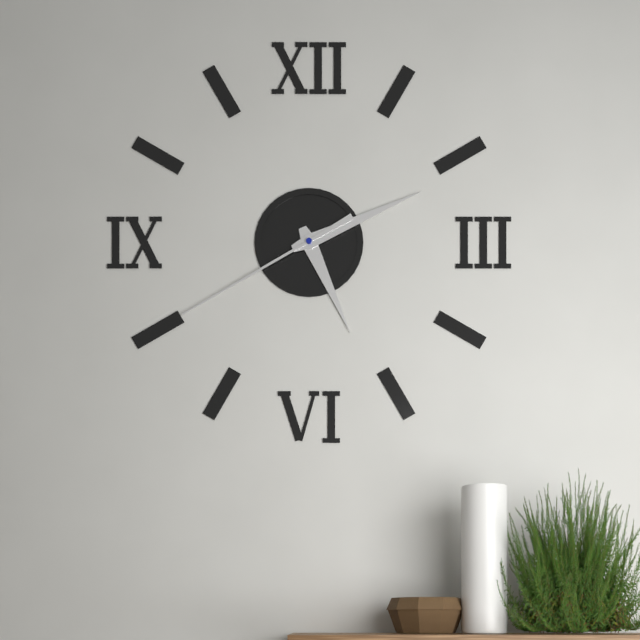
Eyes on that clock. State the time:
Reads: 5:11:40
